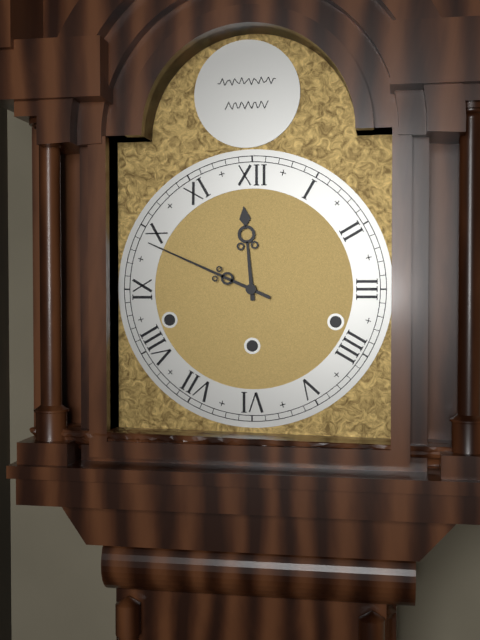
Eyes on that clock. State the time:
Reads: 11:49
